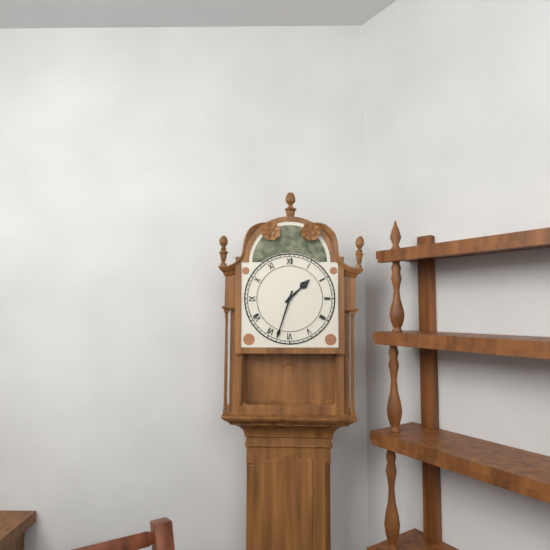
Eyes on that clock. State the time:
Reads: 1:33
